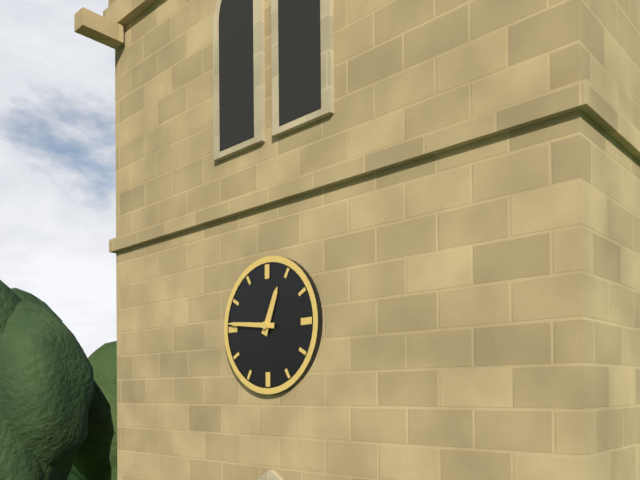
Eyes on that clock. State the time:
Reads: 12:46
